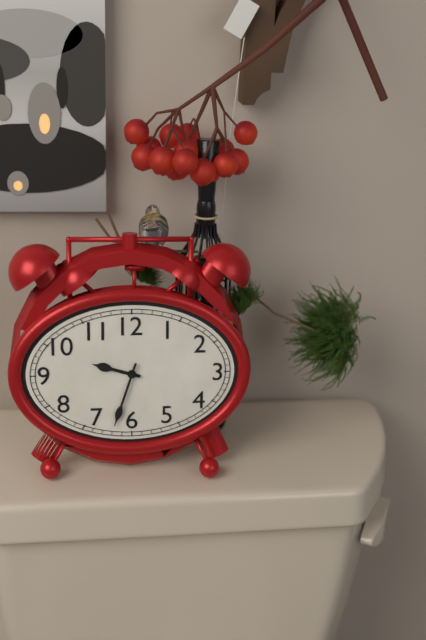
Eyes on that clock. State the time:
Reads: 9:33
